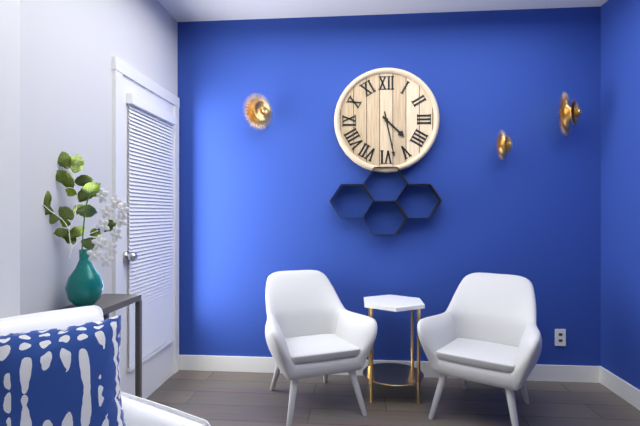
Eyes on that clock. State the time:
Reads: 4:28
